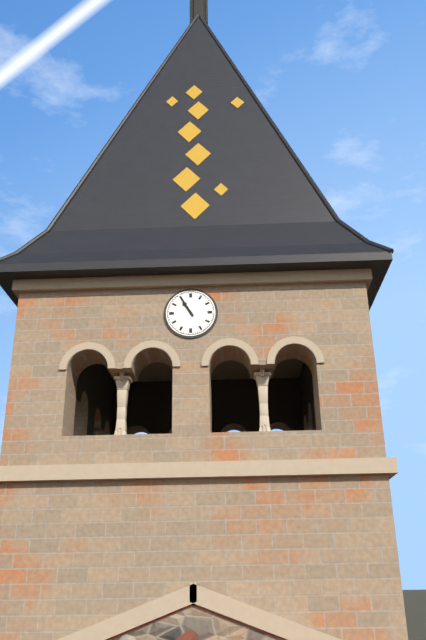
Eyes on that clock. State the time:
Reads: 10:55
